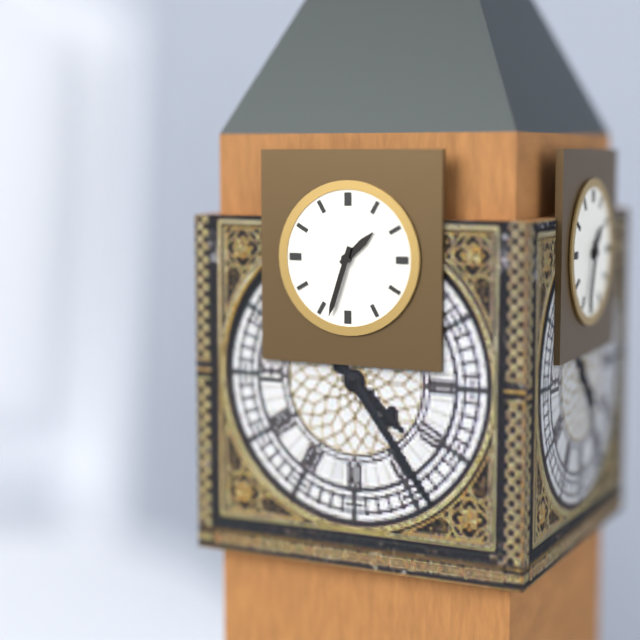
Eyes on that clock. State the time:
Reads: 1:33
